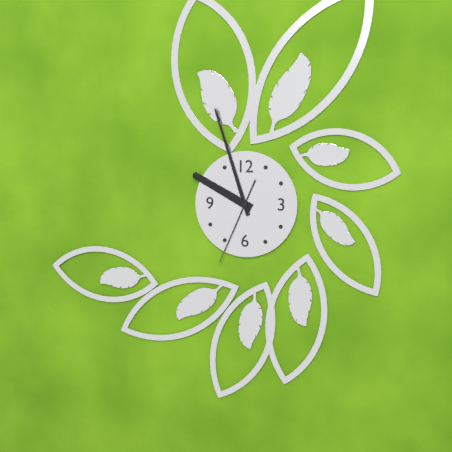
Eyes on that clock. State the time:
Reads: 9:57:34
